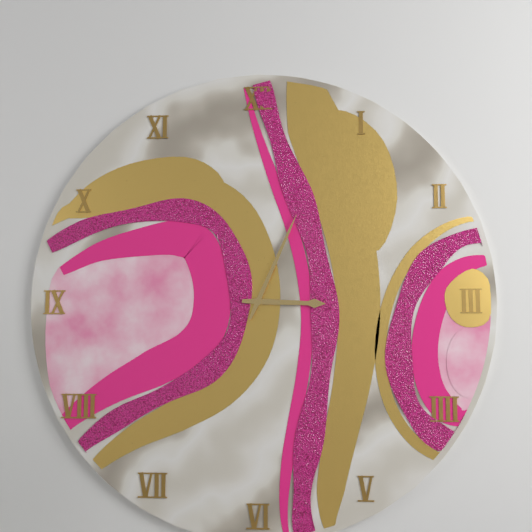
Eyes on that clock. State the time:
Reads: 3:04
